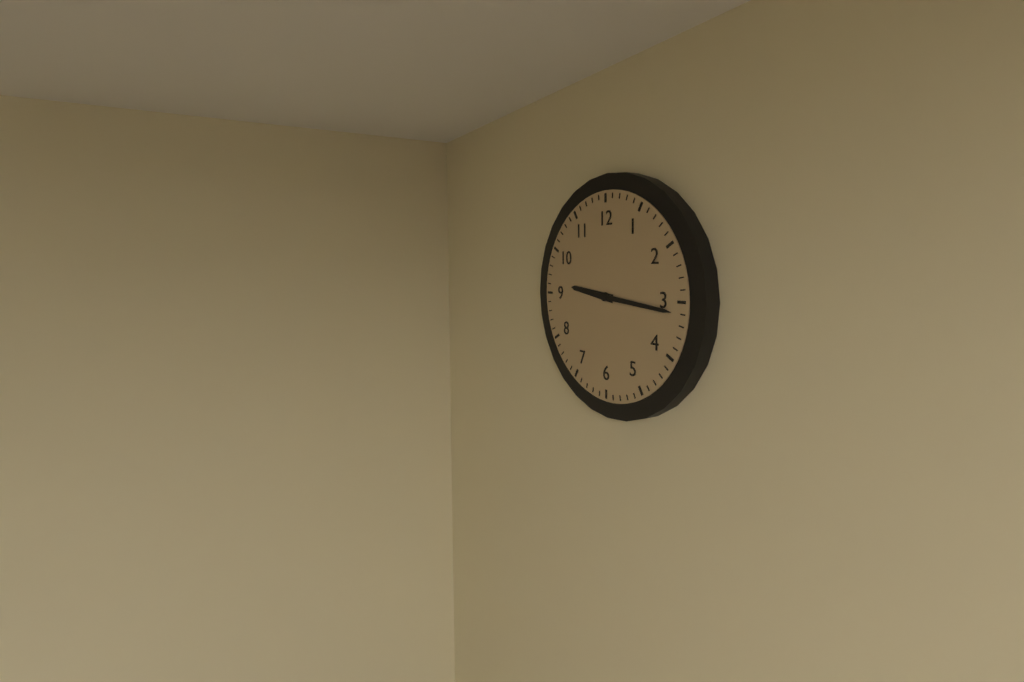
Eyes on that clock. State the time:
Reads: 9:16
